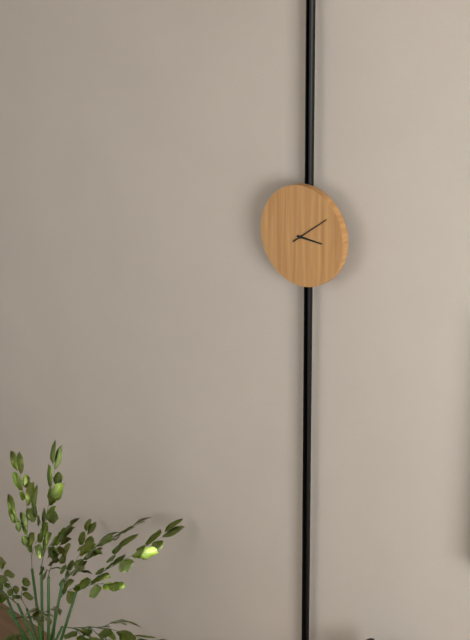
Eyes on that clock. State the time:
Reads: 3:09
